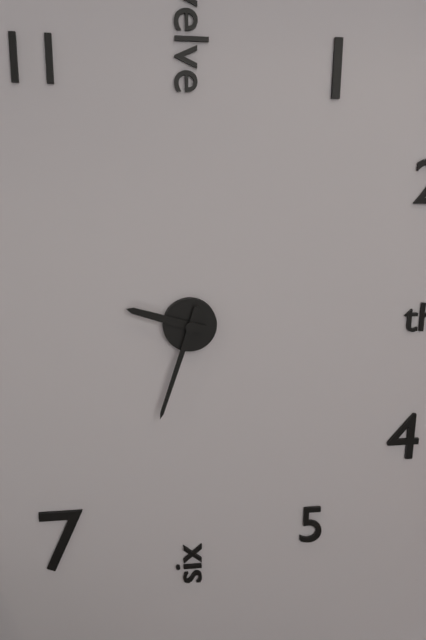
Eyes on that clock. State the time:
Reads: 9:33
